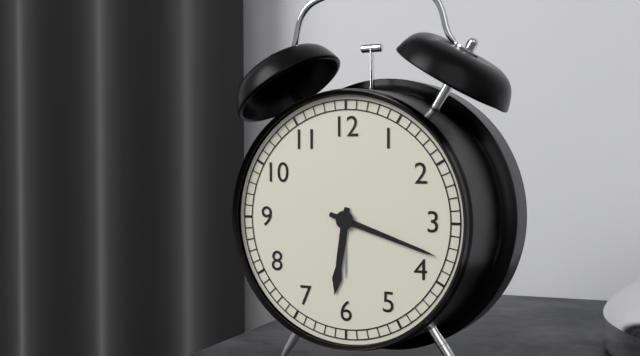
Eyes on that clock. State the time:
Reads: 6:18
